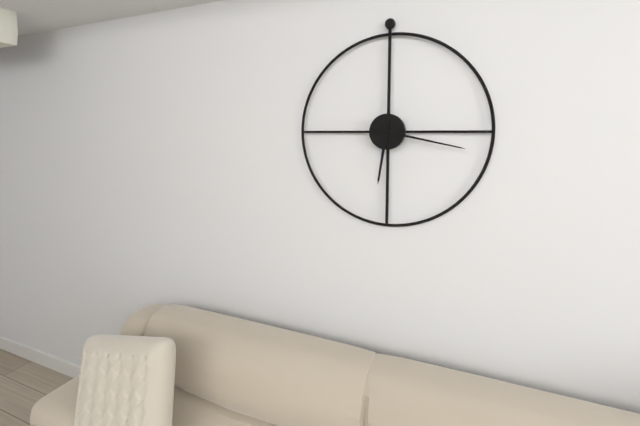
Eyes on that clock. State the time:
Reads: 6:17
